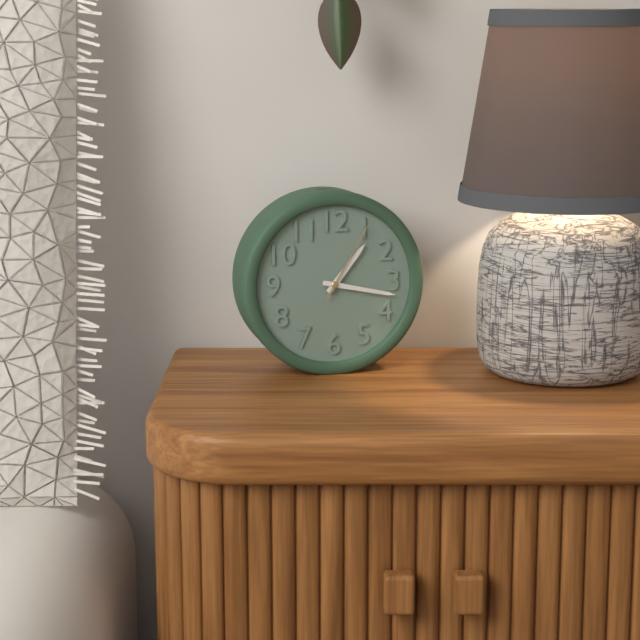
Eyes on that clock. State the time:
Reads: 1:17:05
